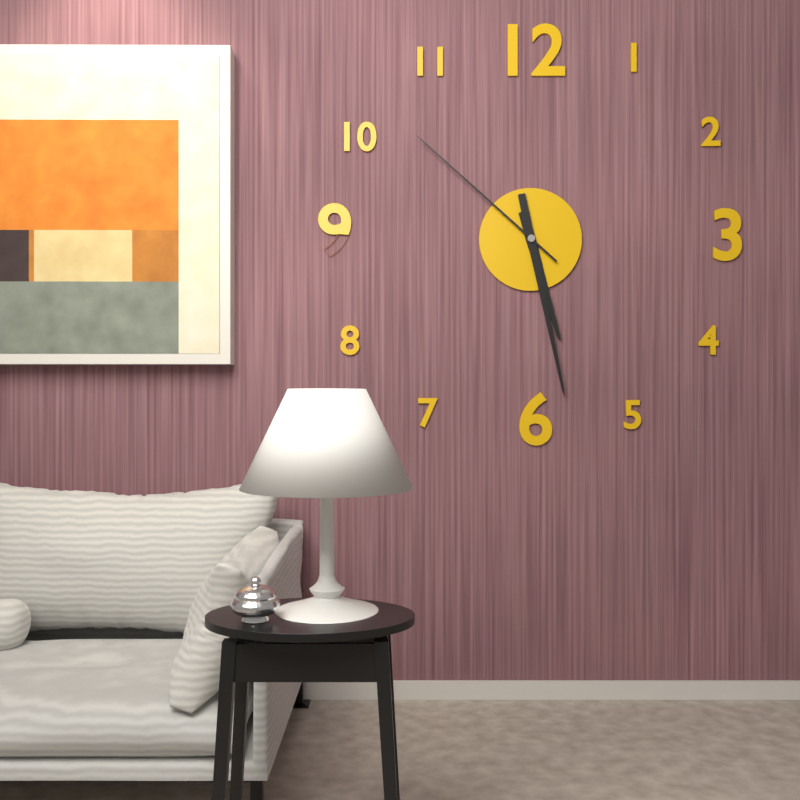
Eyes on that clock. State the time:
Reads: 5:28:52
